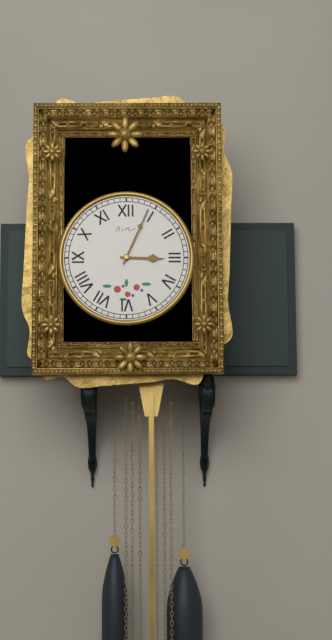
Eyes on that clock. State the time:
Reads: 3:04
